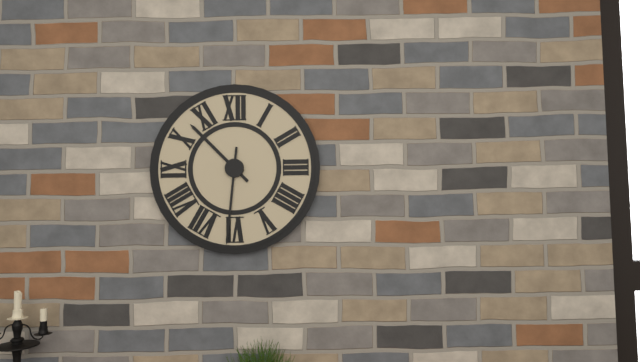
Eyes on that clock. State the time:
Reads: 10:31
